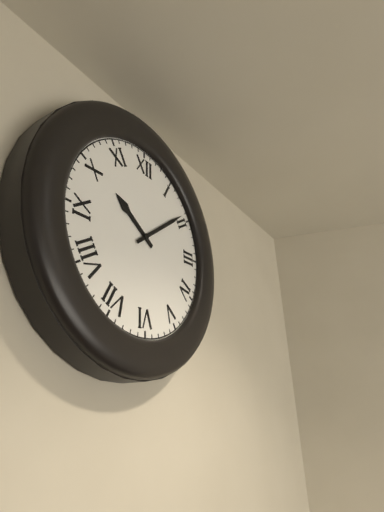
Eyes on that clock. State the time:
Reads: 10:09
